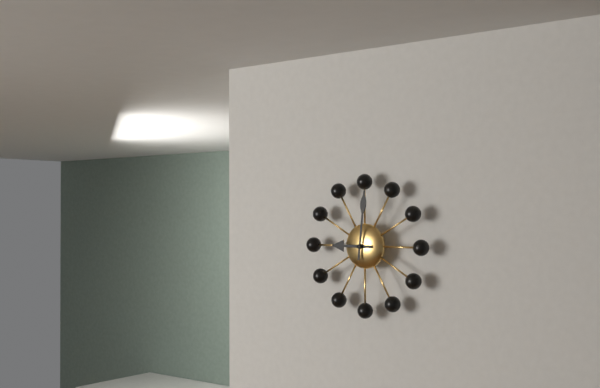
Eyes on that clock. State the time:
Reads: 9:01
